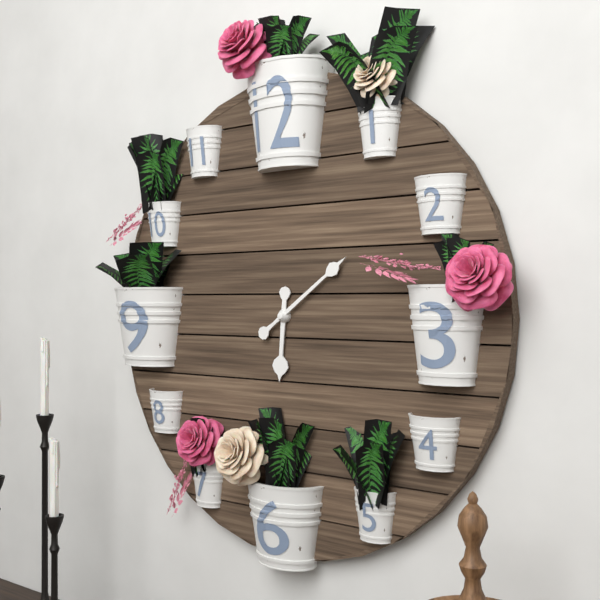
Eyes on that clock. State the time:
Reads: 6:09
